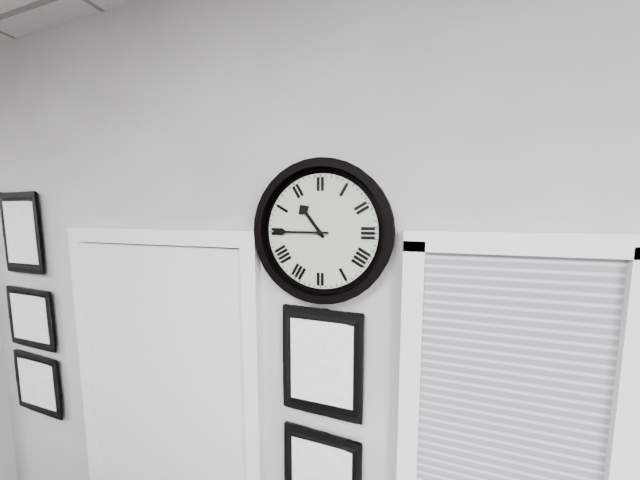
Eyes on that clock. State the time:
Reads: 10:45
